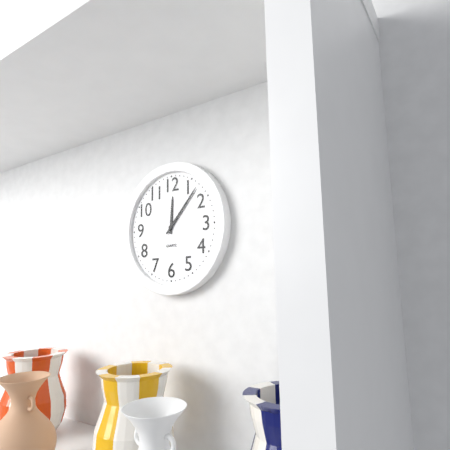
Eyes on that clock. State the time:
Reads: 12:07
